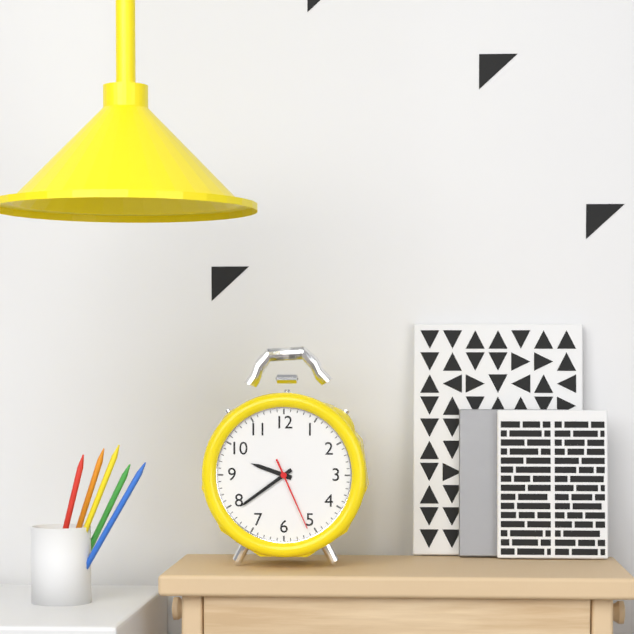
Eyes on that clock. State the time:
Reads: 9:39:26
